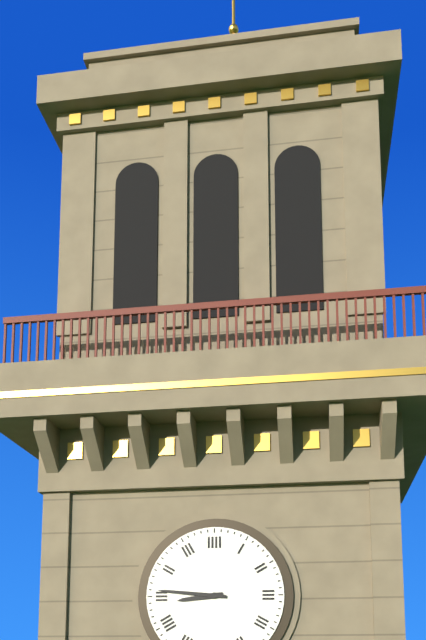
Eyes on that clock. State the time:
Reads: 8:46
